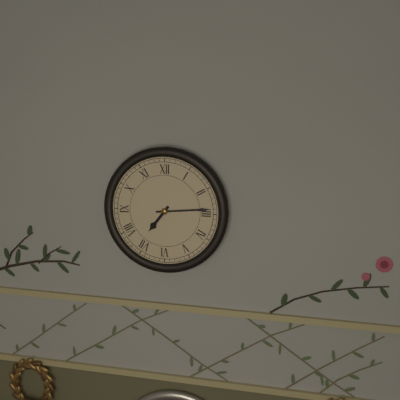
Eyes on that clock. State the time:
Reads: 7:14
